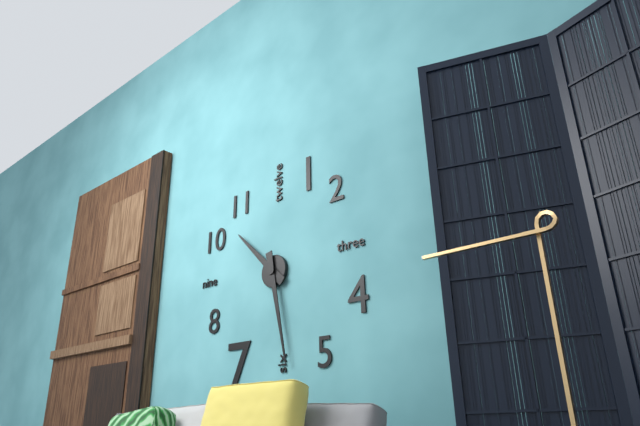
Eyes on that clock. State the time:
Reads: 10:28
